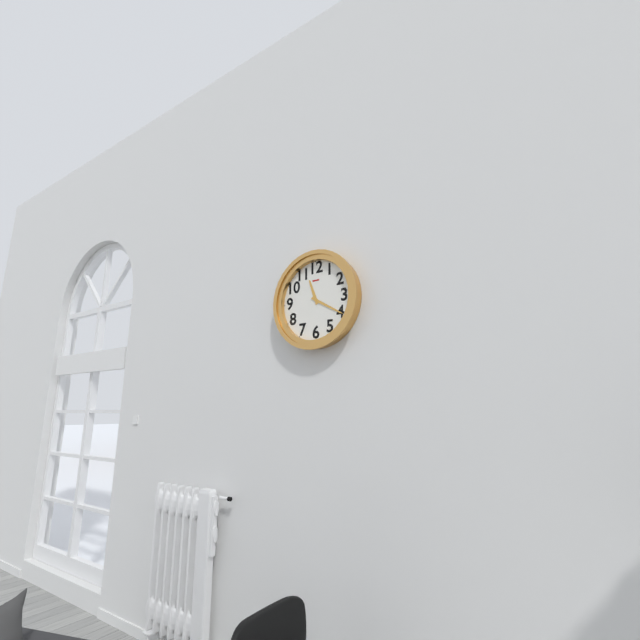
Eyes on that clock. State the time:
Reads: 11:20
